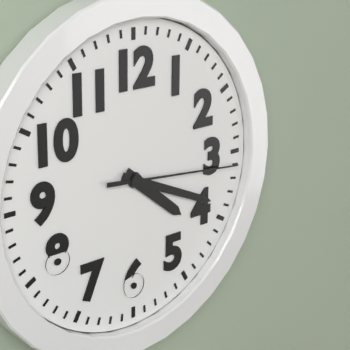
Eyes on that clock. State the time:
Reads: 4:19:16
